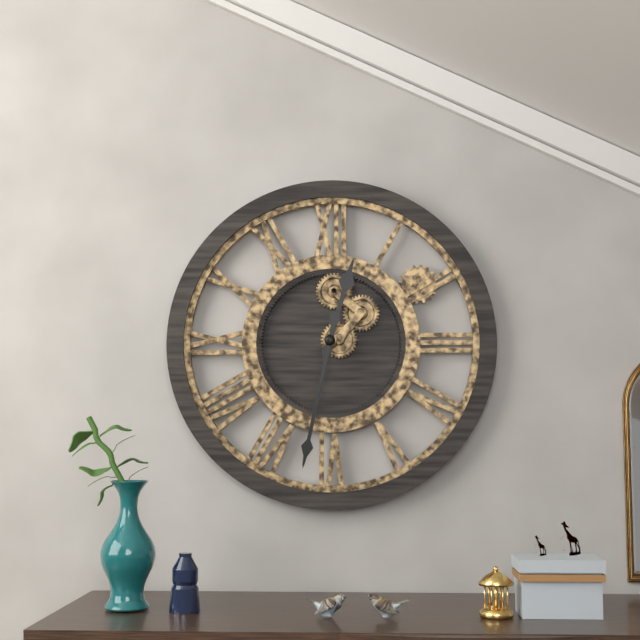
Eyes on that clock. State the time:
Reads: 12:32
